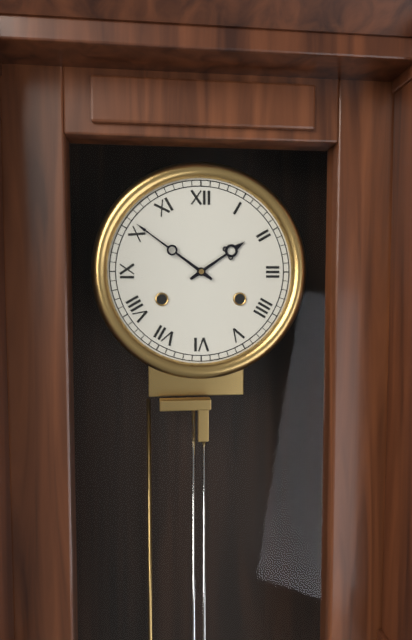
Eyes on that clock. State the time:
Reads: 1:51
